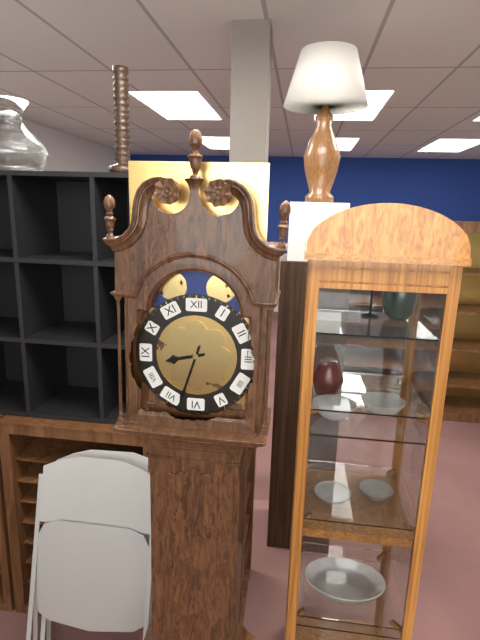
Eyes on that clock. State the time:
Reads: 8:33
